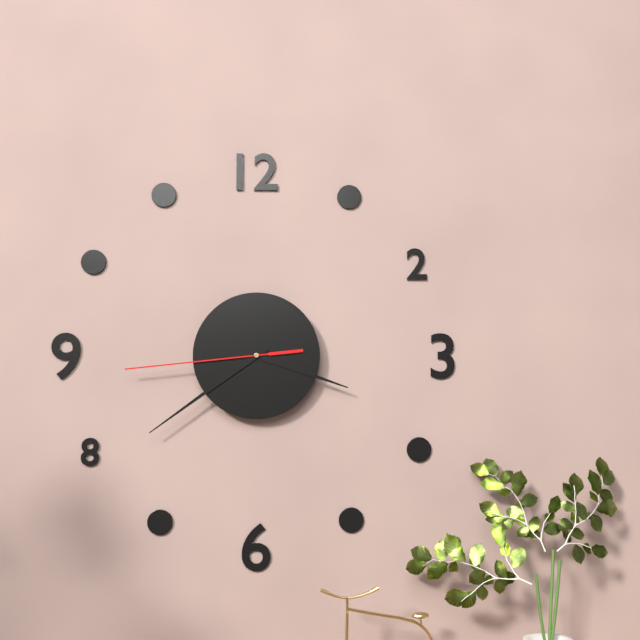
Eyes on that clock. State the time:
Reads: 3:39:44
